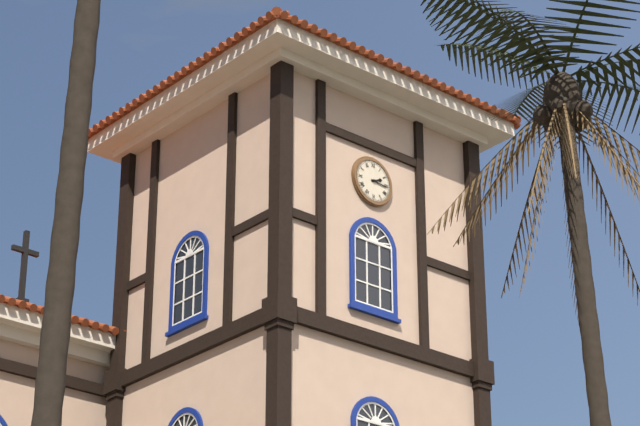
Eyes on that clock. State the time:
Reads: 2:16
